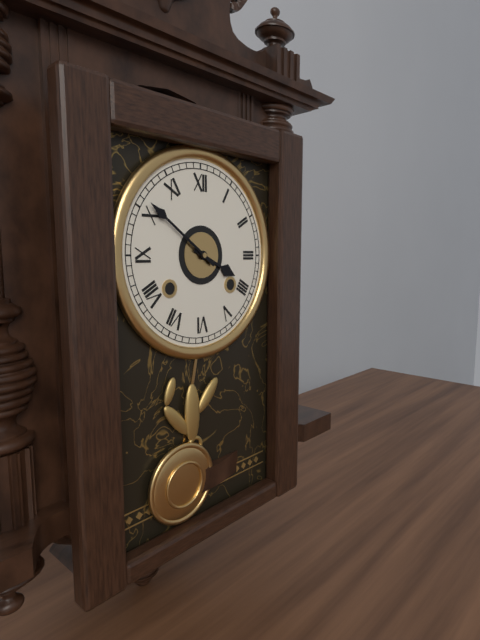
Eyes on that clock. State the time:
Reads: 3:51
